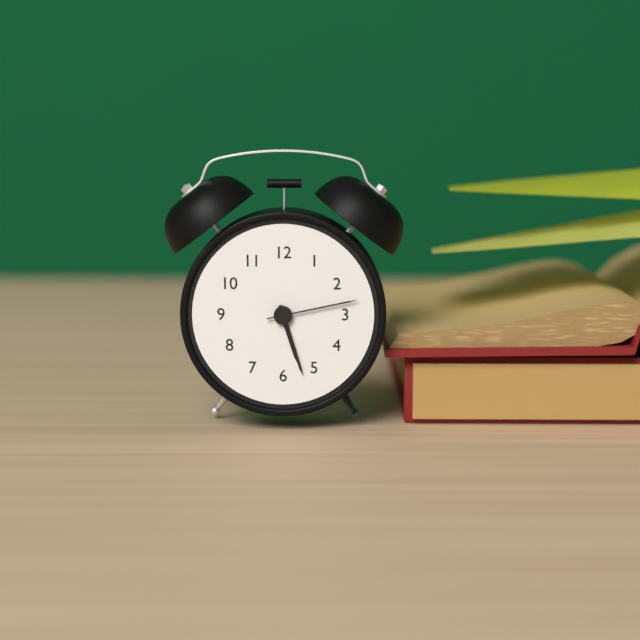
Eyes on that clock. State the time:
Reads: 5:27:13
